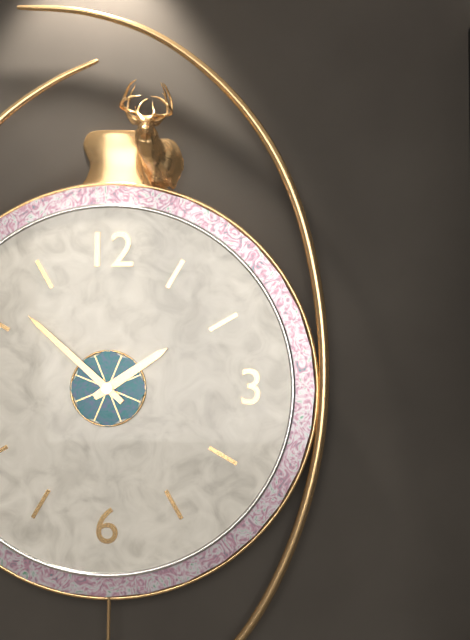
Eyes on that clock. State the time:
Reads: 1:52
